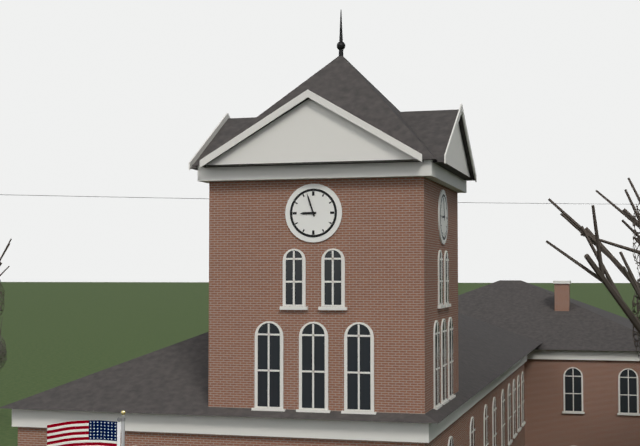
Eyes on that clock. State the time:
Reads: 8:57
